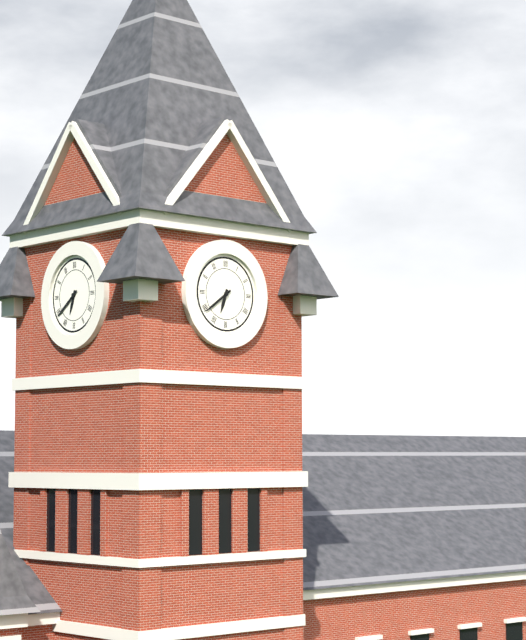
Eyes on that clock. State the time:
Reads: 6:39
